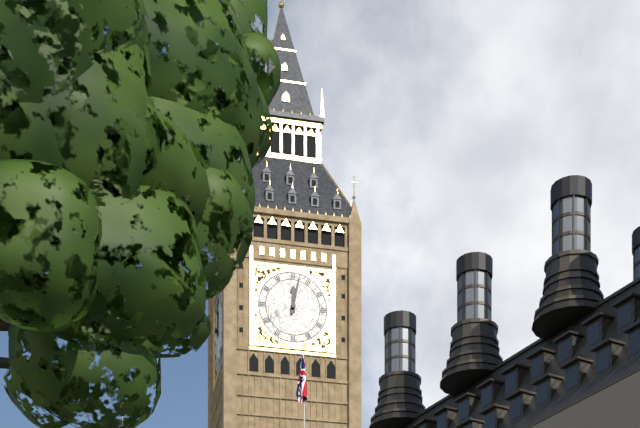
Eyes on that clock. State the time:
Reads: 12:02
